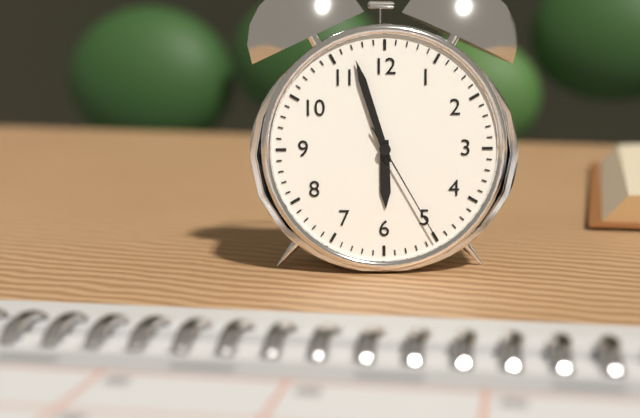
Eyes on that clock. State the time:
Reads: 5:57:25
